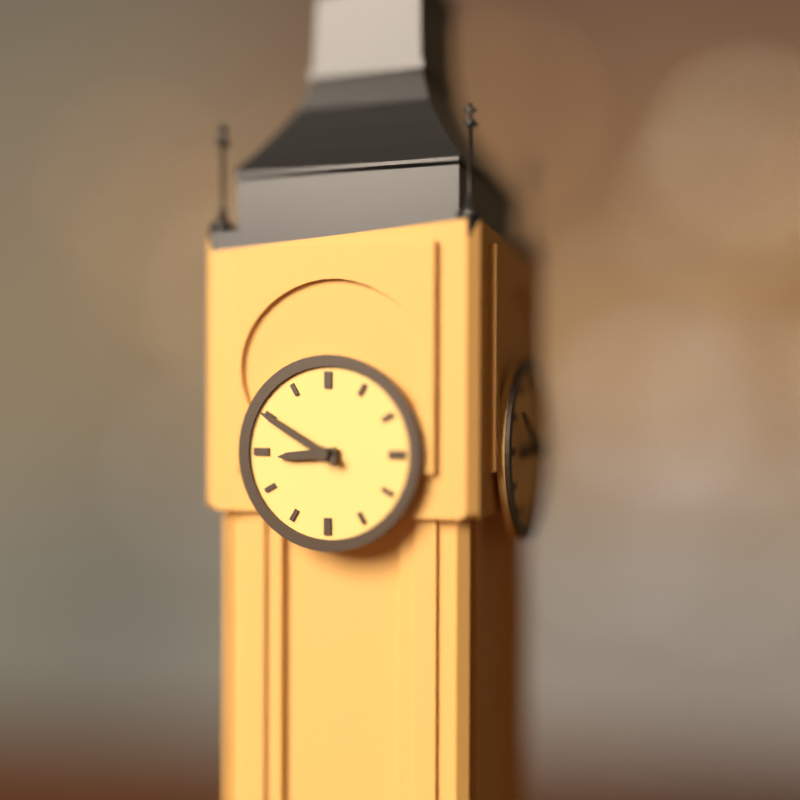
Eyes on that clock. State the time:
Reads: 8:50
